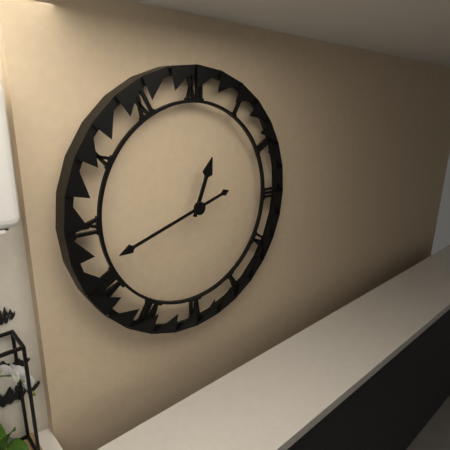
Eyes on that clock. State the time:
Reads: 12:42
